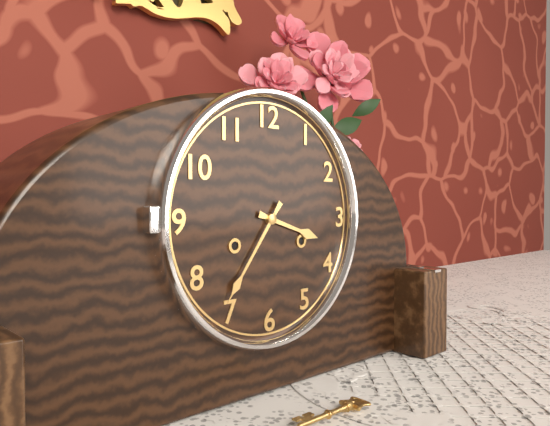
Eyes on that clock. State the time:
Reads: 3:36
